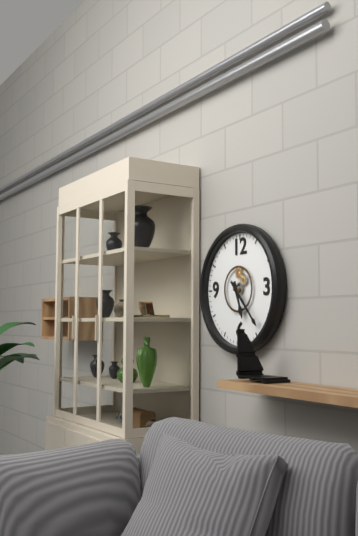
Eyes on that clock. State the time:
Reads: 5:23
